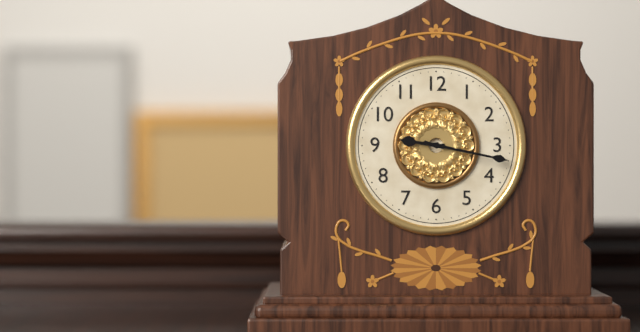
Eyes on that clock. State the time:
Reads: 9:17
